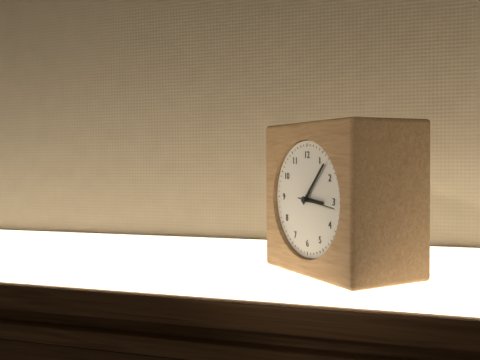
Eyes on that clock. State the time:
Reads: 3:07
